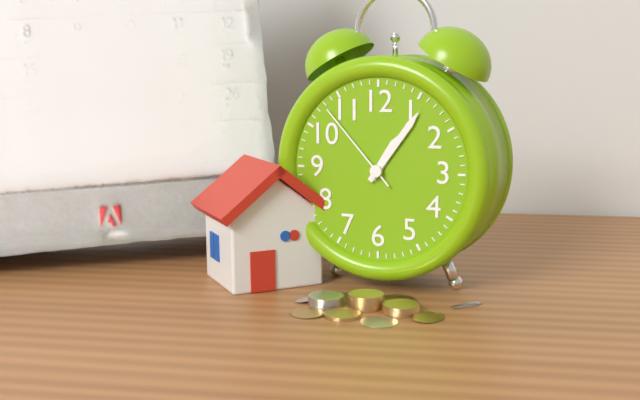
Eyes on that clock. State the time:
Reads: 1:06:53
